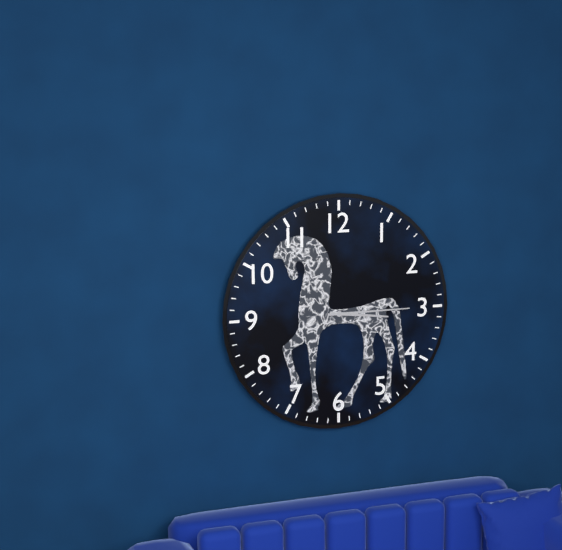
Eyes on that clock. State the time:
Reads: 3:15
